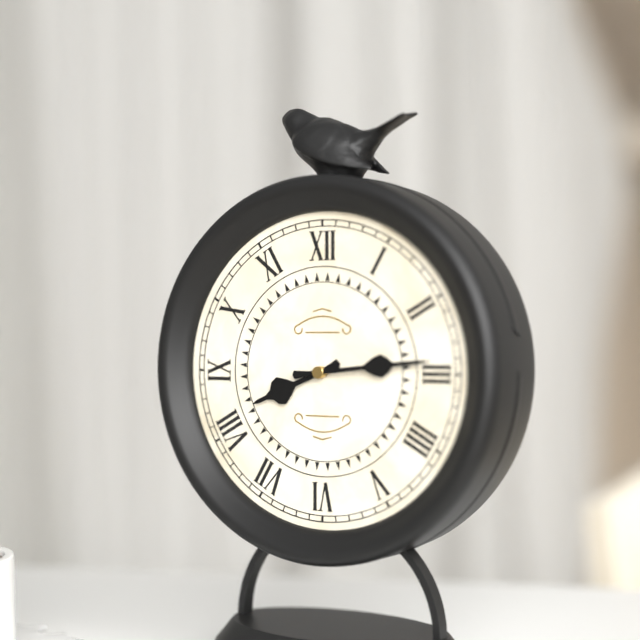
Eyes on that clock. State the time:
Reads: 8:14
